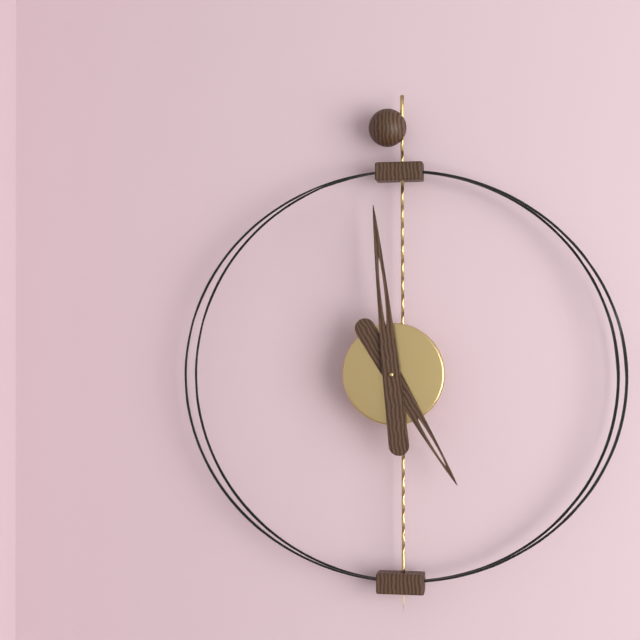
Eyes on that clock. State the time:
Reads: 4:59
